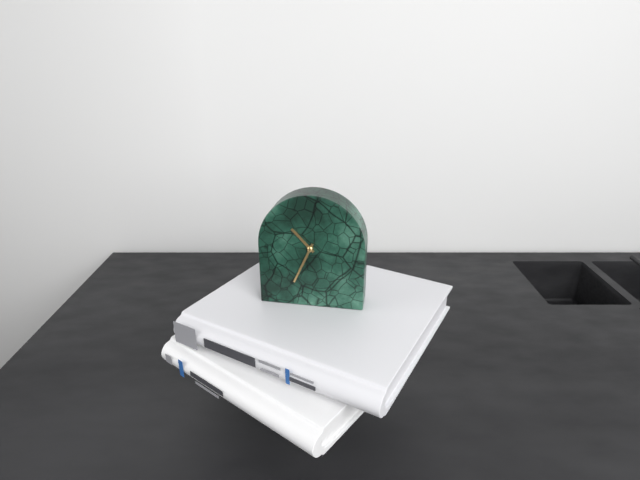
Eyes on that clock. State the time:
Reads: 10:34
